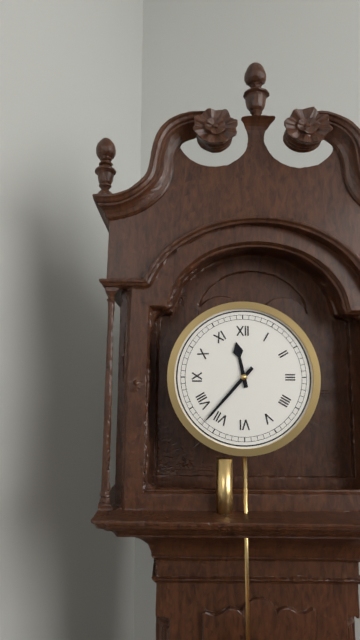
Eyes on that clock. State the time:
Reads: 11:37
